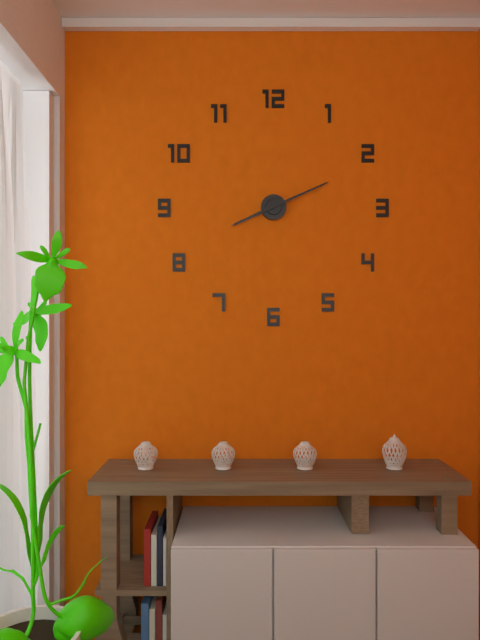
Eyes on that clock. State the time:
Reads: 8:11
